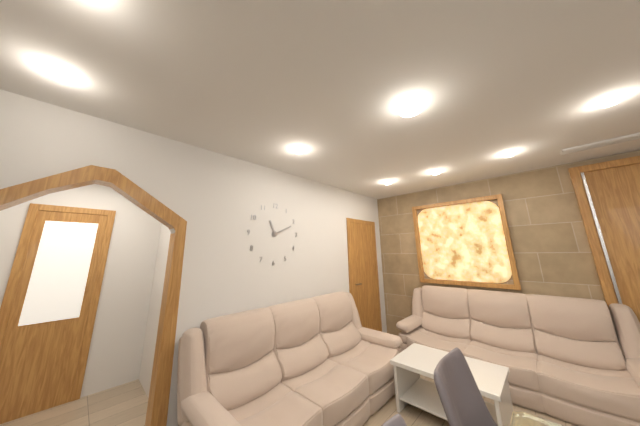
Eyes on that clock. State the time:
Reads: 11:11
